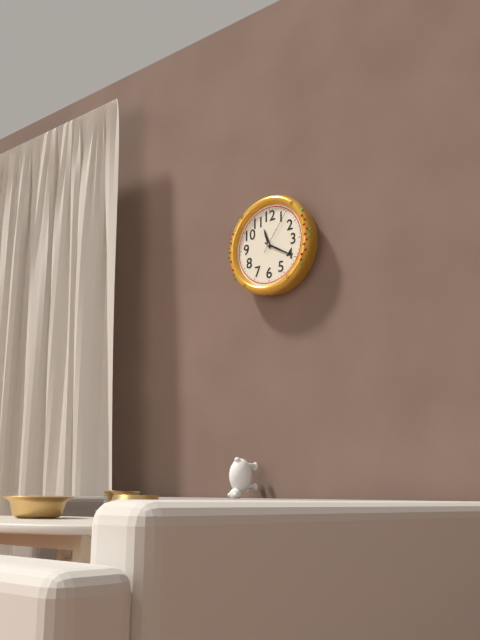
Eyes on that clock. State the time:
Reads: 11:20
